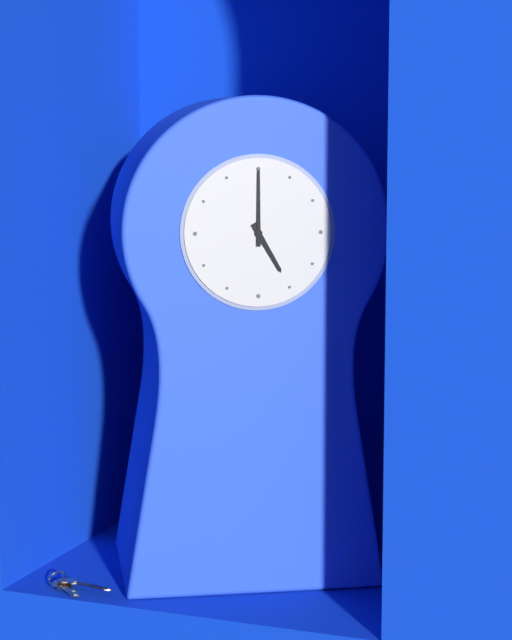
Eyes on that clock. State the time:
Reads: 5:00
